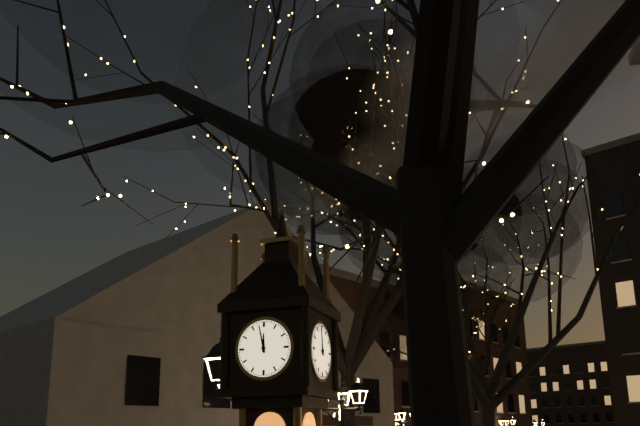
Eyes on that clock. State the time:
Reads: 11:58
